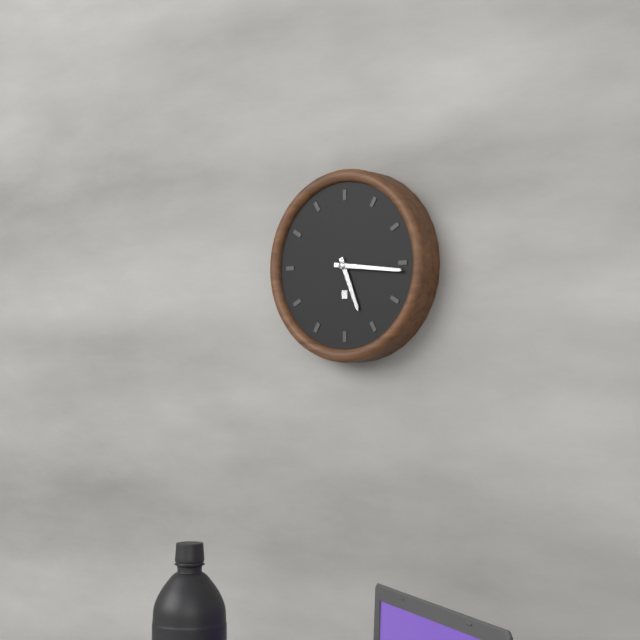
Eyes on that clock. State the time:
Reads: 5:16
